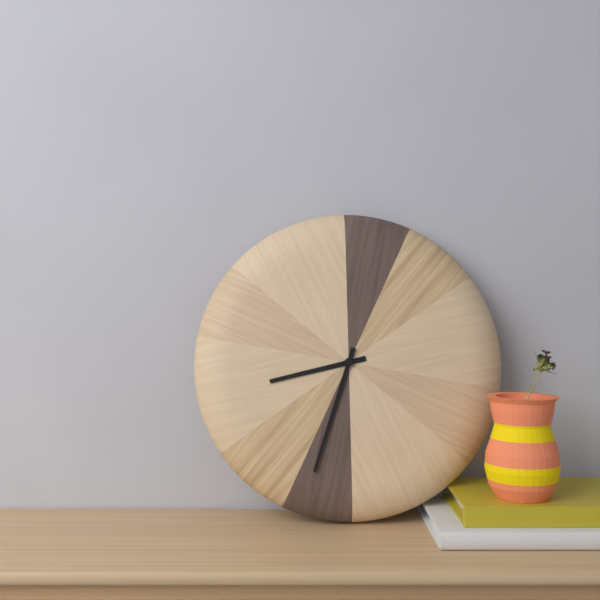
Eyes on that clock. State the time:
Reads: 8:33
